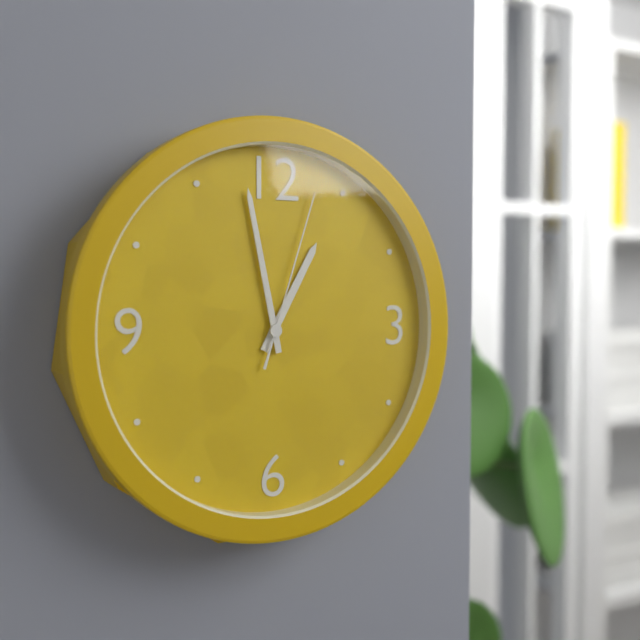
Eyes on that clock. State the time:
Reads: 12:58:03
